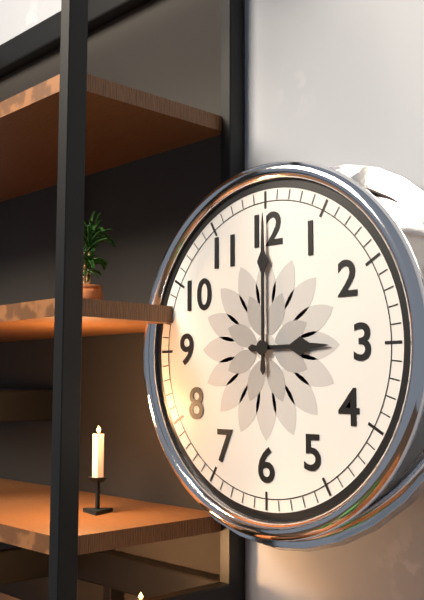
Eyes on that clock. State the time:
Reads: 3:00
